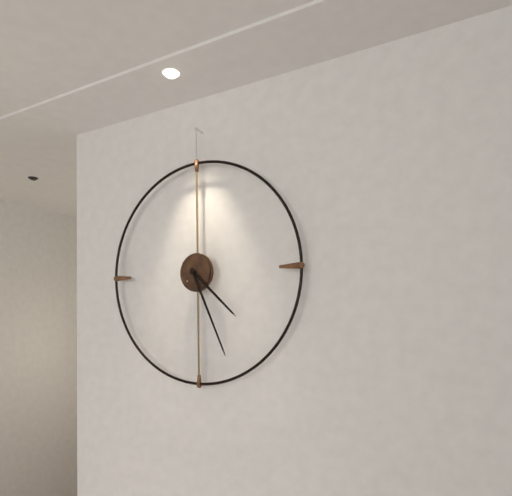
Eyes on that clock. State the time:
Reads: 4:26
